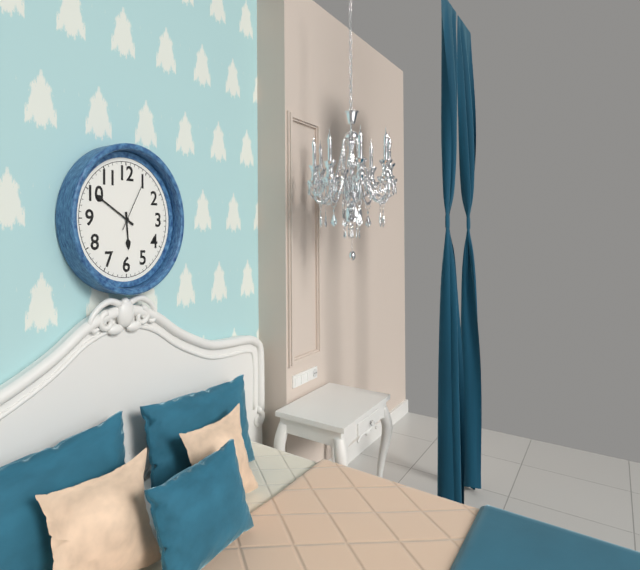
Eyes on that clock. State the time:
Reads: 5:50
